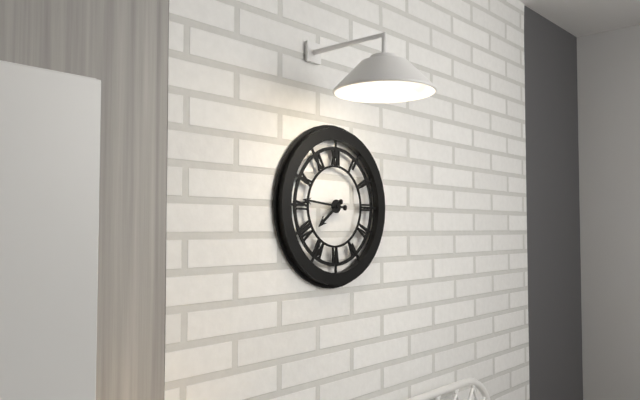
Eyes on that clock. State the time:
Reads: 7:46
